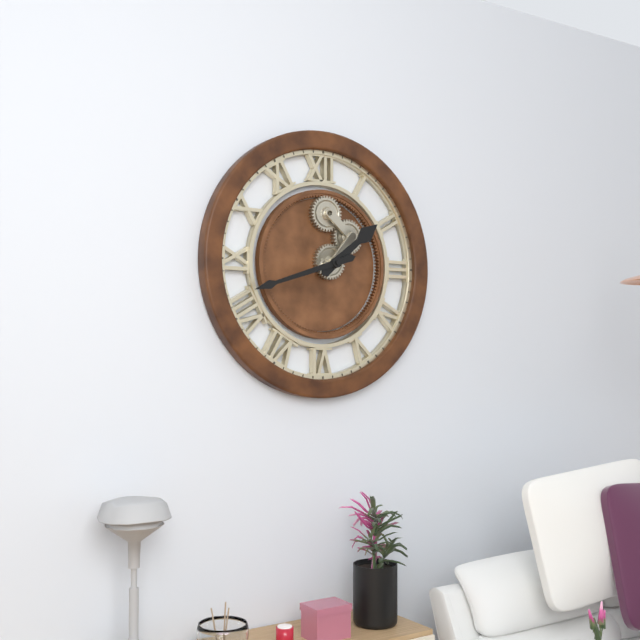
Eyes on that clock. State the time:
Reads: 1:42
